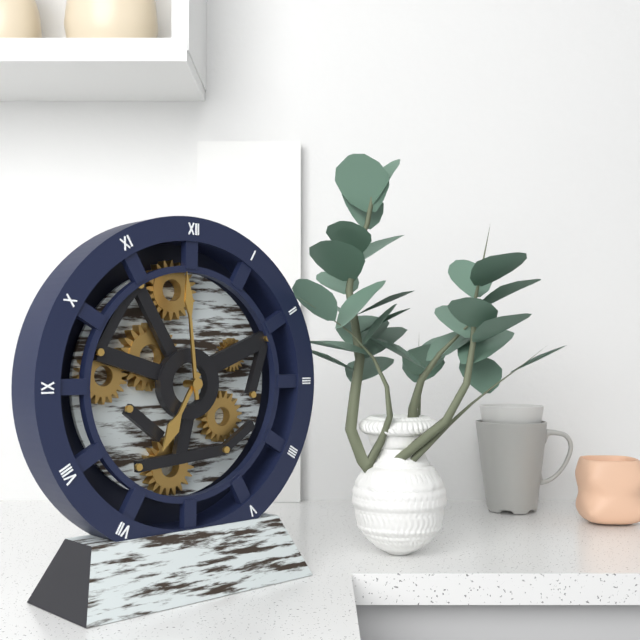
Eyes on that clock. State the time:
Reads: 6:59
